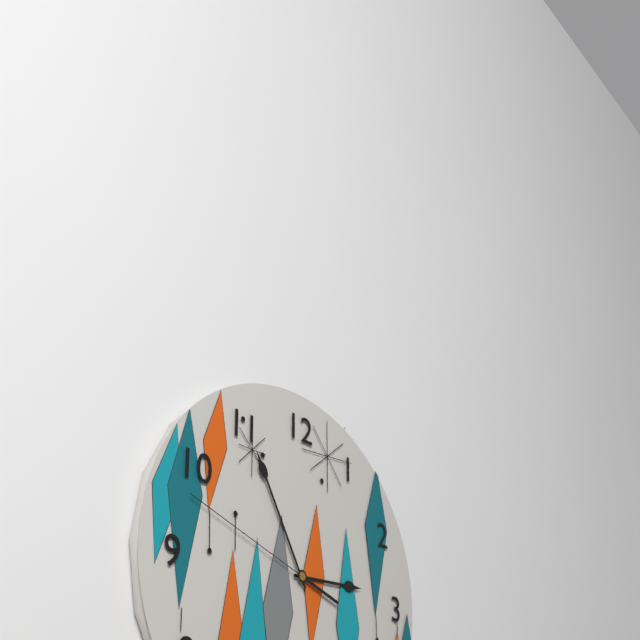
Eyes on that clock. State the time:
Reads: 2:55:48
